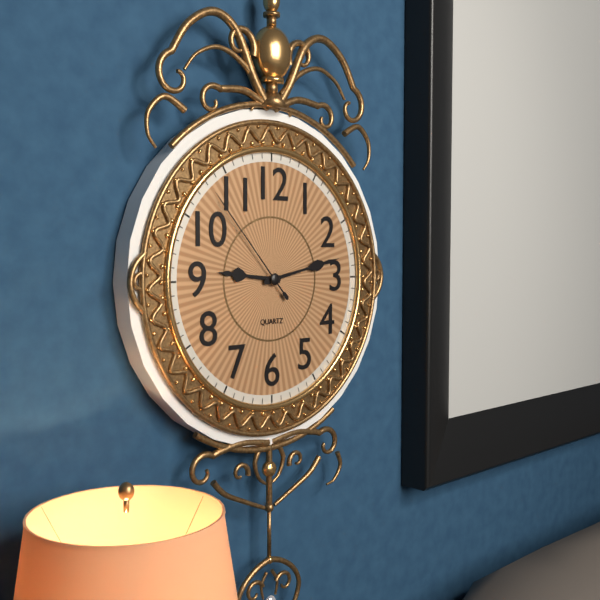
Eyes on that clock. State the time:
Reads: 9:13:53
